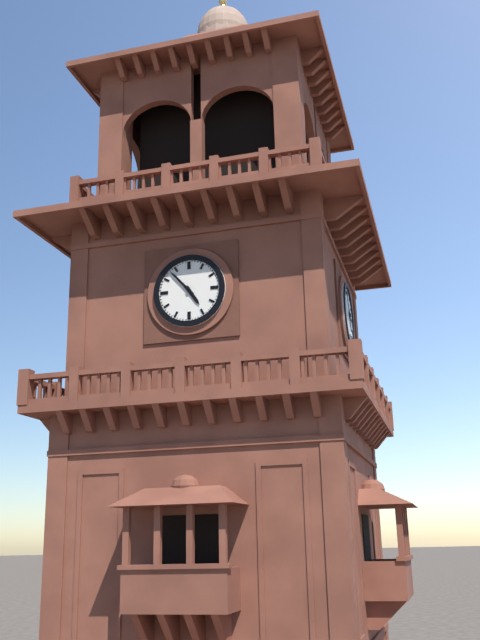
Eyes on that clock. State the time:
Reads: 4:53
